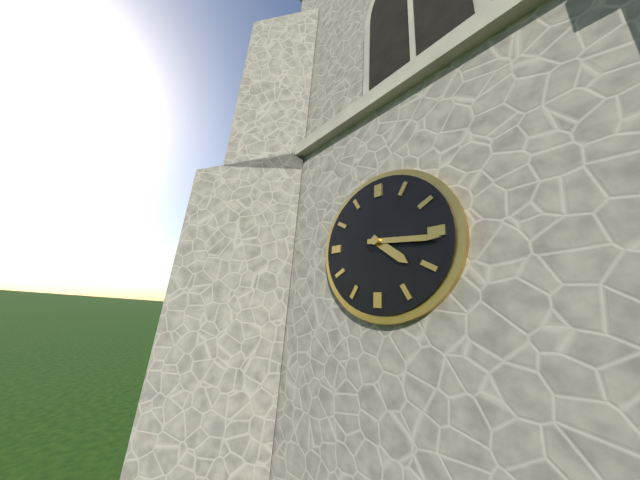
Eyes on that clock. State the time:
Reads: 4:16
